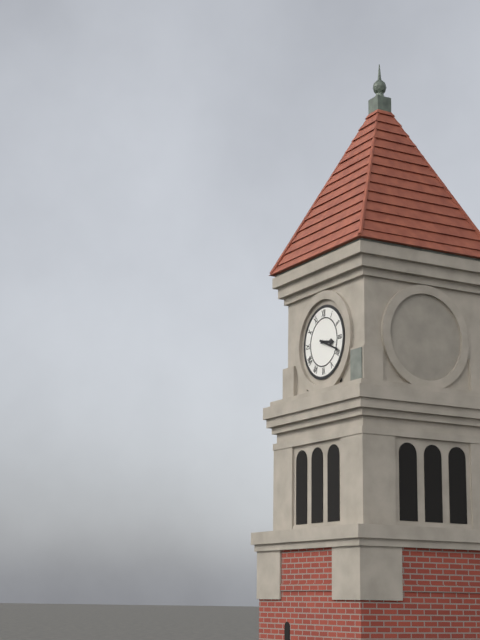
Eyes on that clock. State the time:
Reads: 3:19
